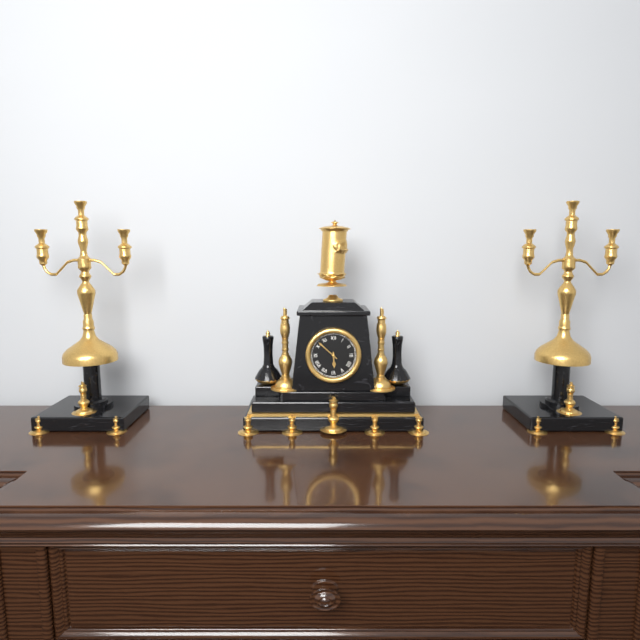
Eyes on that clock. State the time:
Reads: 5:52
